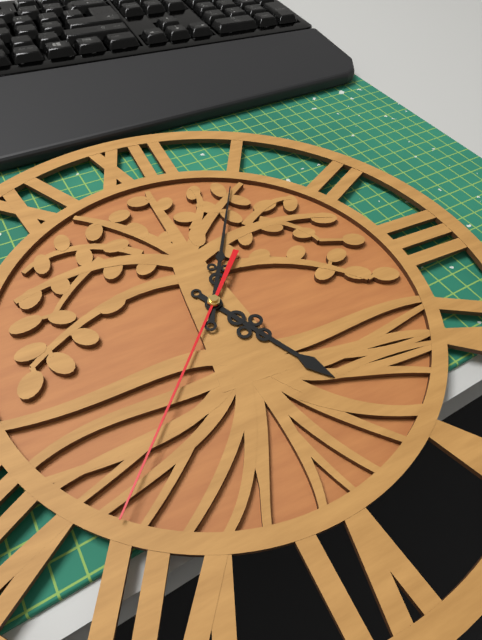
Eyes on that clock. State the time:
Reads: 5:05:37
